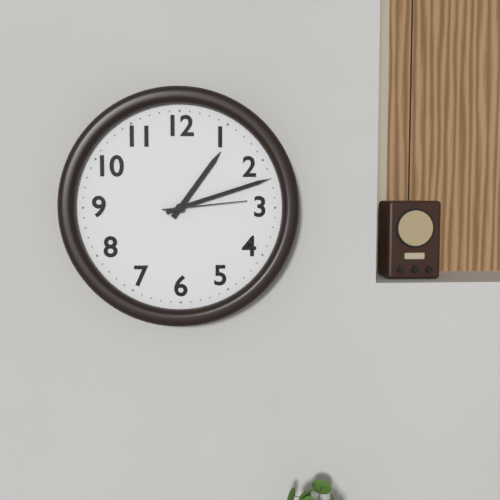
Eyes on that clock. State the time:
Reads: 1:12:14
